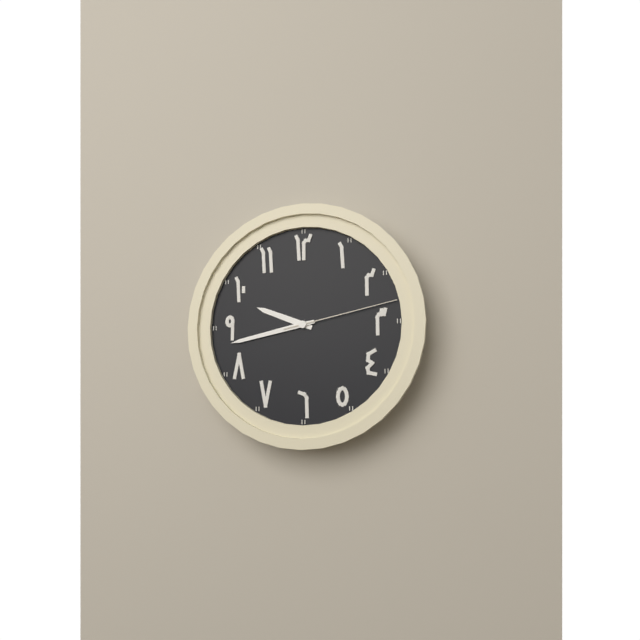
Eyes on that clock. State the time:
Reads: 9:43:13
